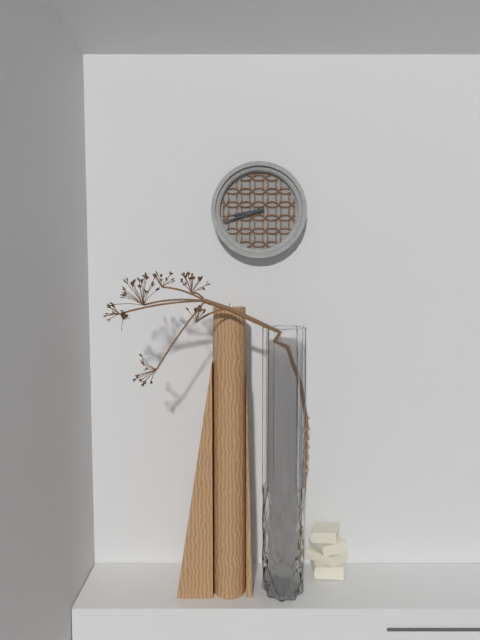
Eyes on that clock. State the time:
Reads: 8:42
